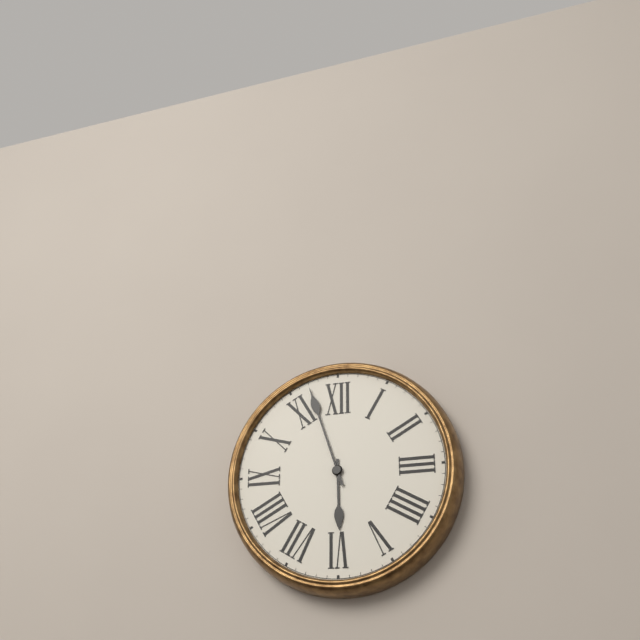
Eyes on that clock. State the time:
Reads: 5:57
